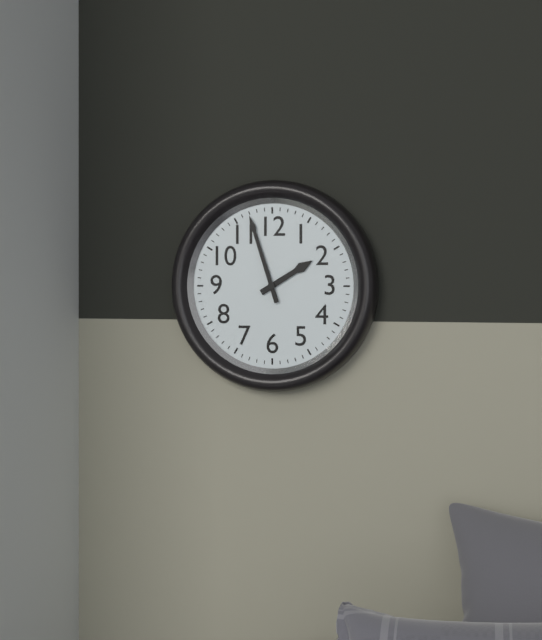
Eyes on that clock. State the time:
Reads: 1:57
